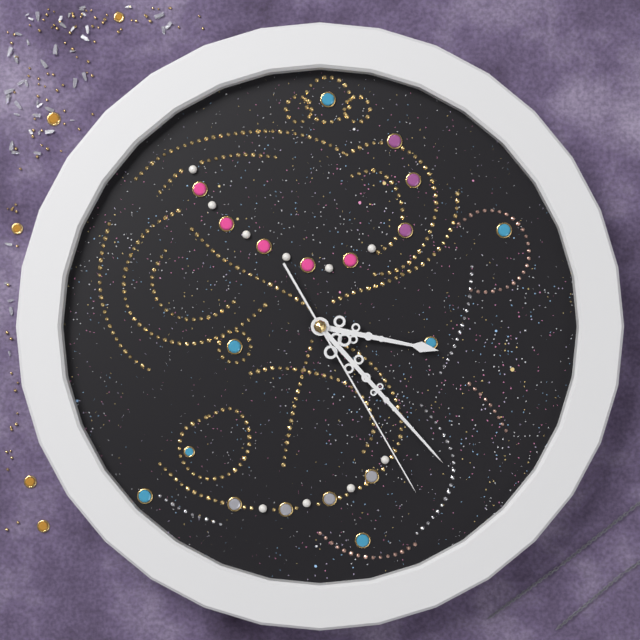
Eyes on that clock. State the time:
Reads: 3:23:25
